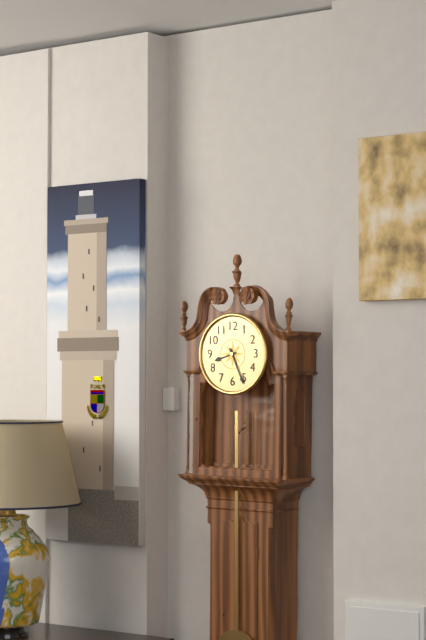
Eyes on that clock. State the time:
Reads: 8:26
